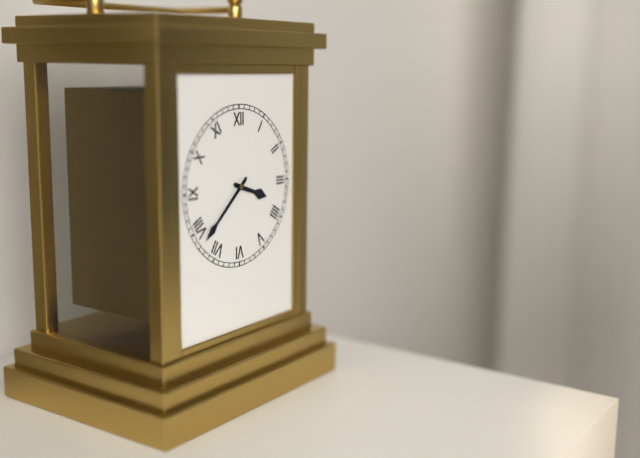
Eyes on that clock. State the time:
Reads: 3:38
